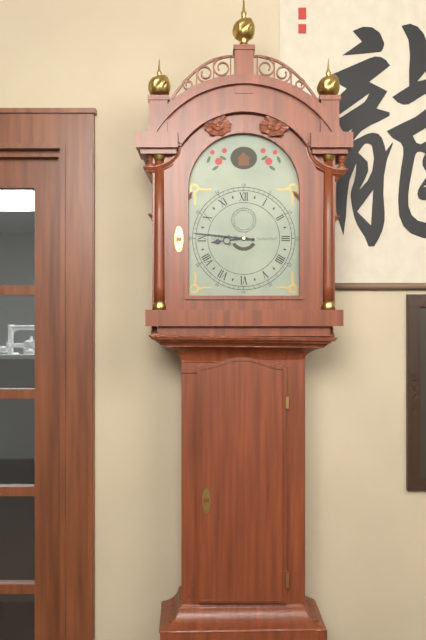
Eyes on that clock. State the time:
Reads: 8:46
